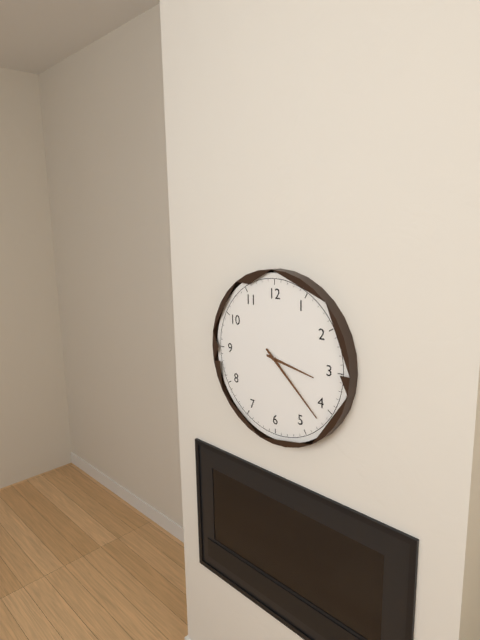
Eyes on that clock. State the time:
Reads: 3:22
